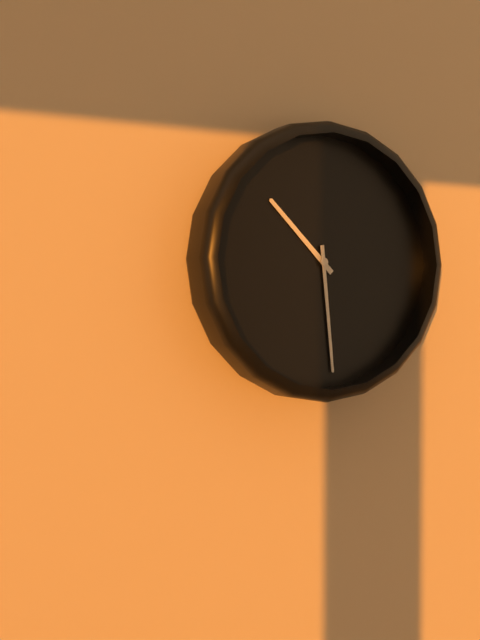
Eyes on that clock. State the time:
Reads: 10:29
